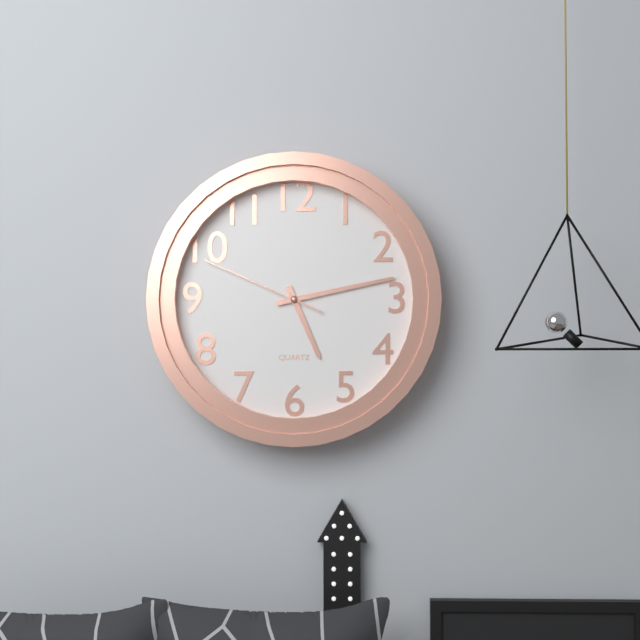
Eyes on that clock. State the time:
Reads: 5:13:49
